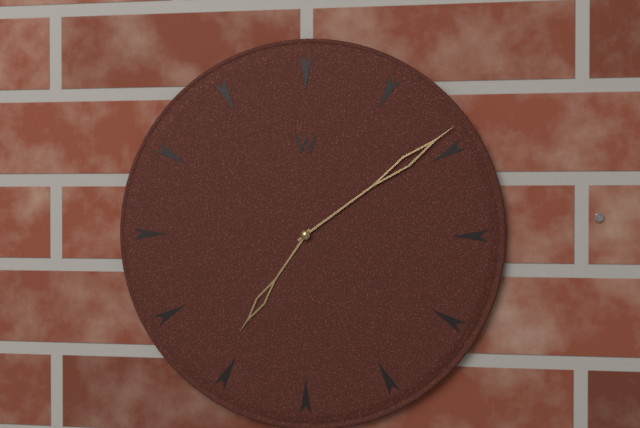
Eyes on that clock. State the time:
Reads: 7:09
